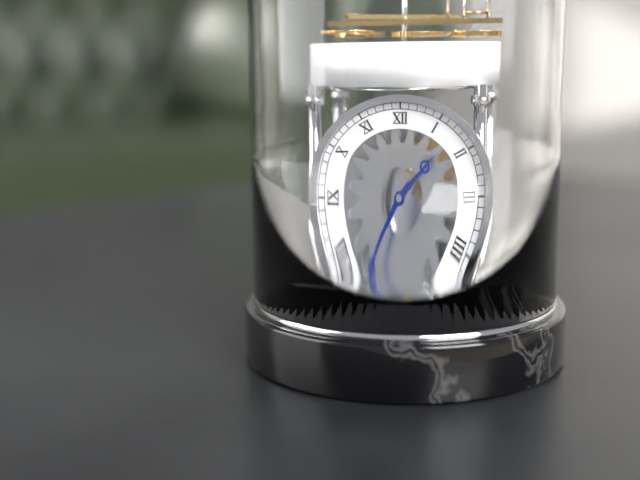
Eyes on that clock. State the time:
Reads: 1:36
